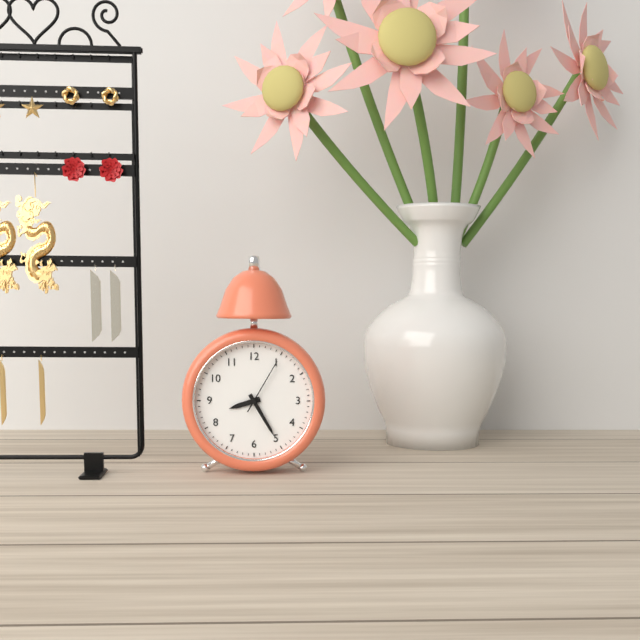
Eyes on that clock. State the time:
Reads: 8:25:05
